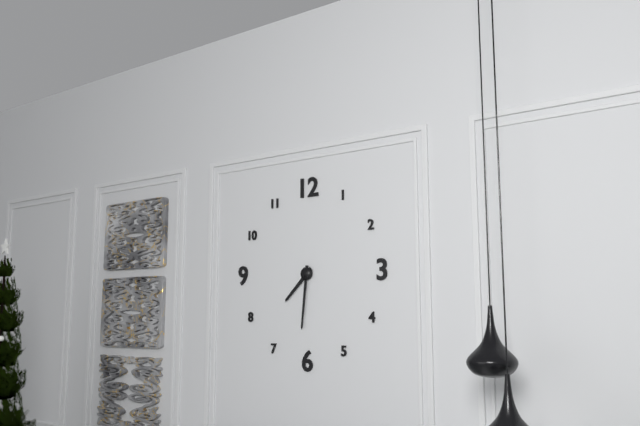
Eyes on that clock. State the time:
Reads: 7:31
